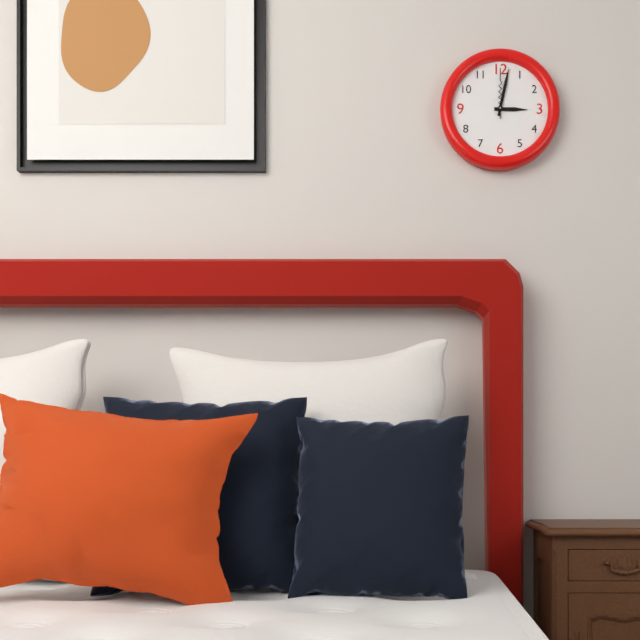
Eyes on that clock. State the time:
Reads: 3:02:00
